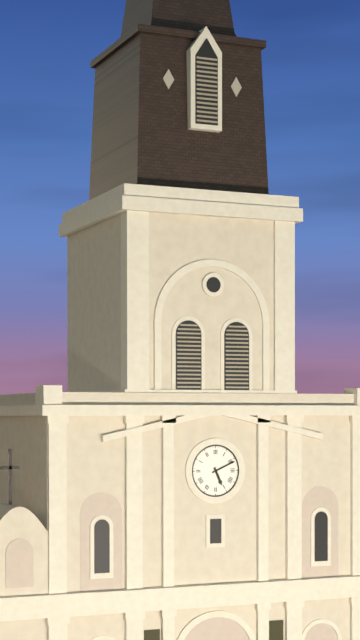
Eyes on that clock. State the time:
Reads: 5:11
